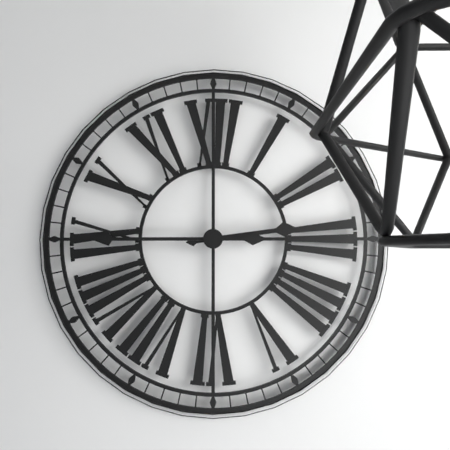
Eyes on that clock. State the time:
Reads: 2:45
